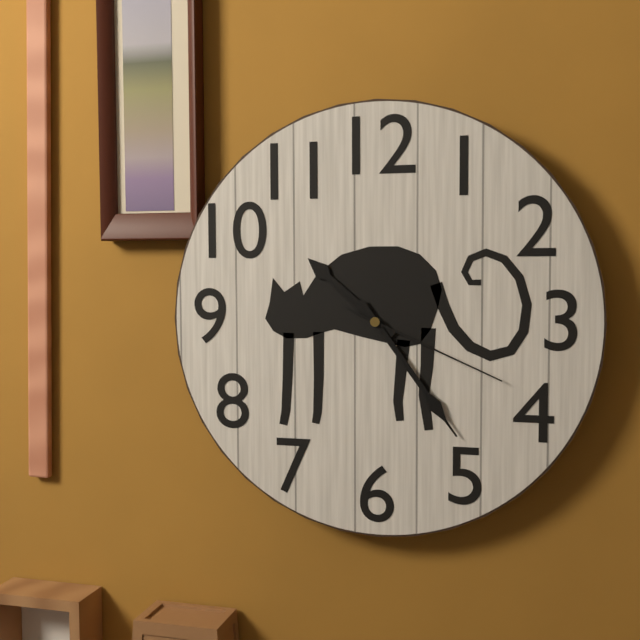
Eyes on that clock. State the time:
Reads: 10:24:19
